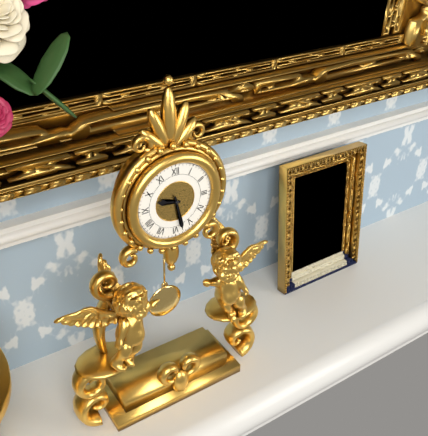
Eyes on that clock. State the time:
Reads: 9:28
